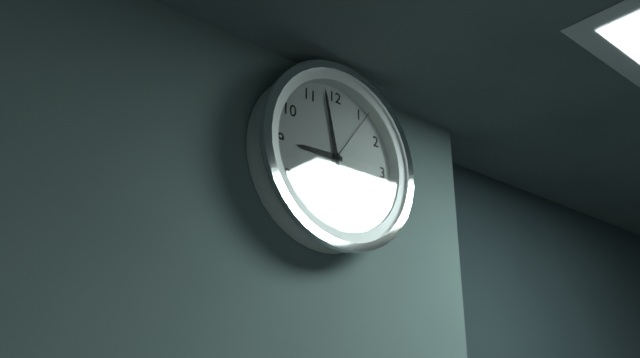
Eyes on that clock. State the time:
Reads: 8:58:06
